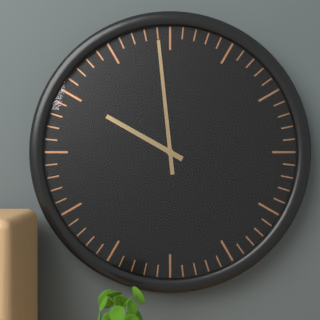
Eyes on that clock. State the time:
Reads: 9:59
